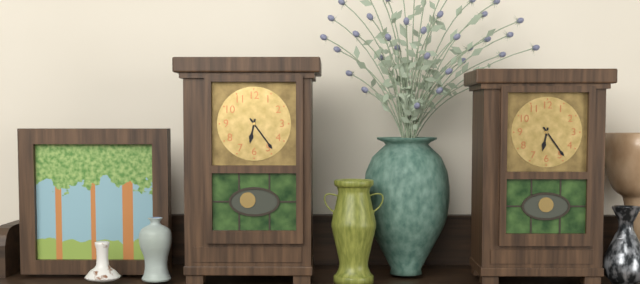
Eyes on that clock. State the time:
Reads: 6:24
